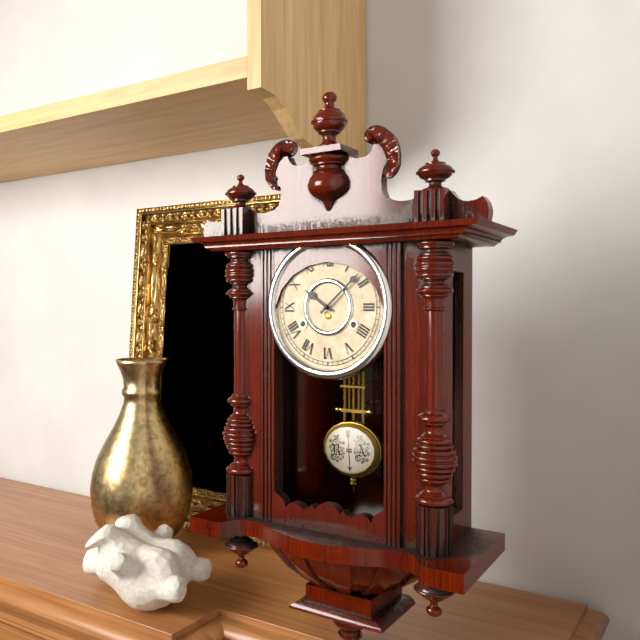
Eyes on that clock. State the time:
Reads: 10:08
